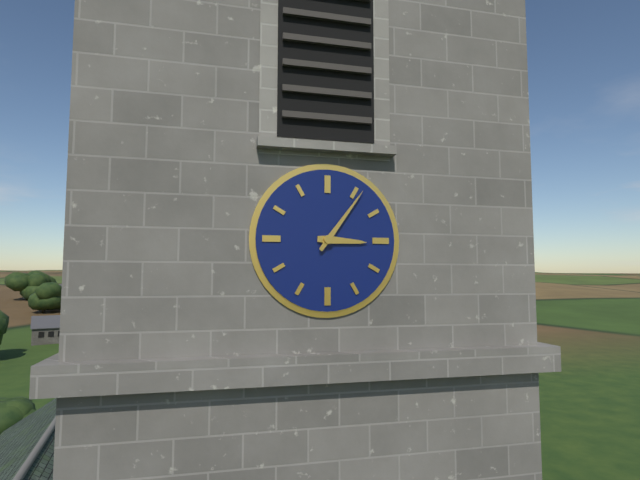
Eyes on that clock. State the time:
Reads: 3:06
